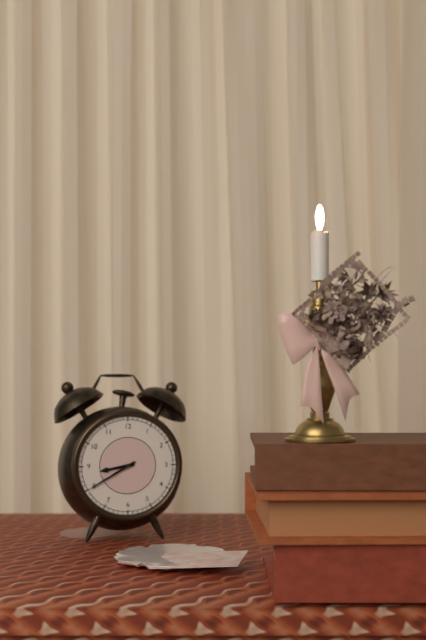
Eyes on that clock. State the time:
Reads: 8:40
